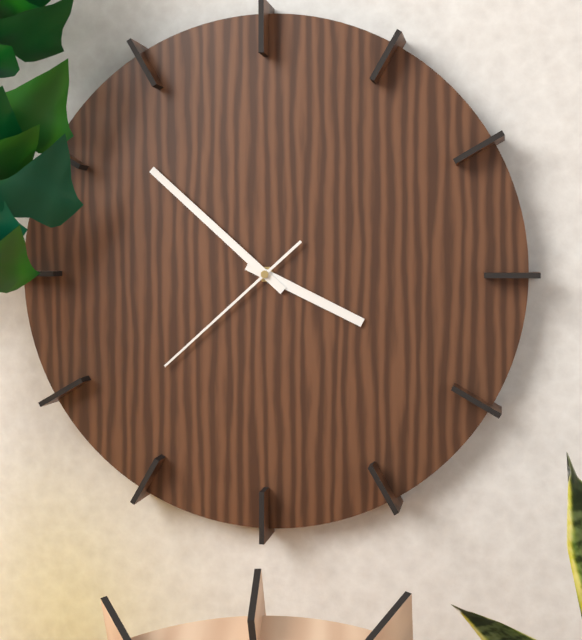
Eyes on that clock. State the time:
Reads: 3:52:38
